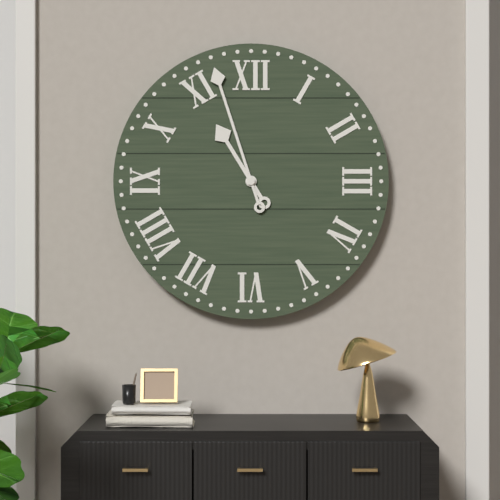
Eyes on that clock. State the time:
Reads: 10:57
